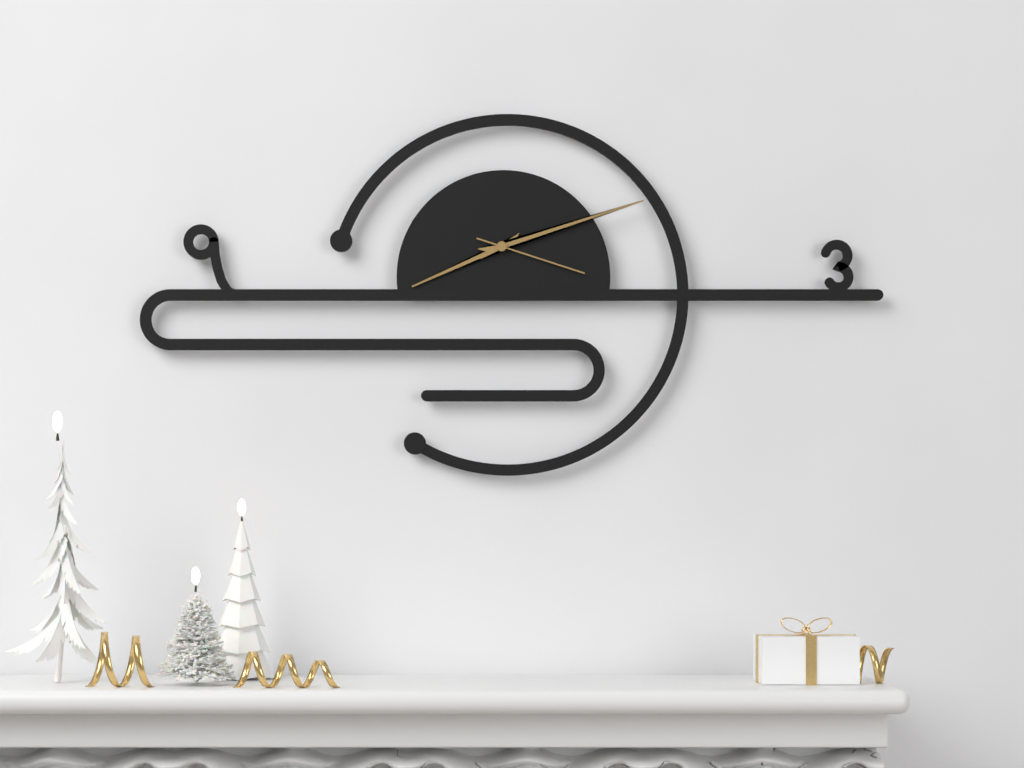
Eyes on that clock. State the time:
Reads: 8:12:18
